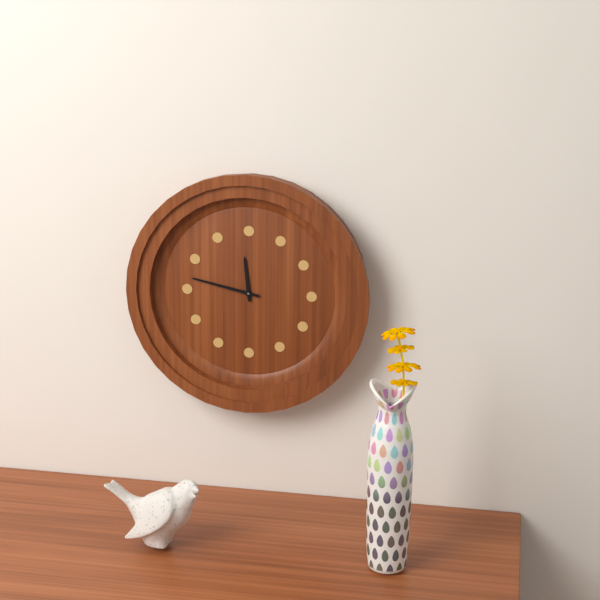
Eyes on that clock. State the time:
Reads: 11:47
